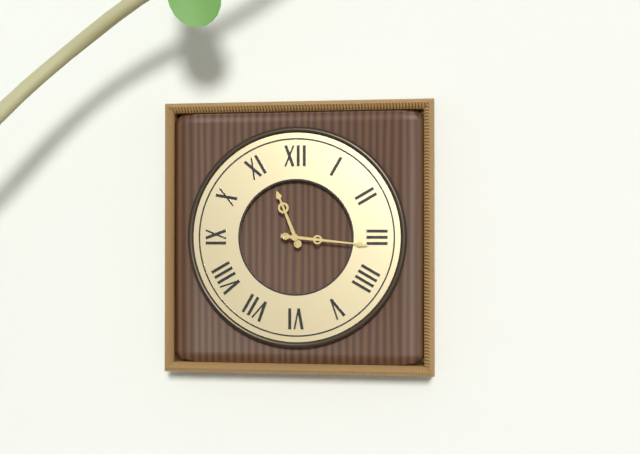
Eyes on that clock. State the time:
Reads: 11:16
